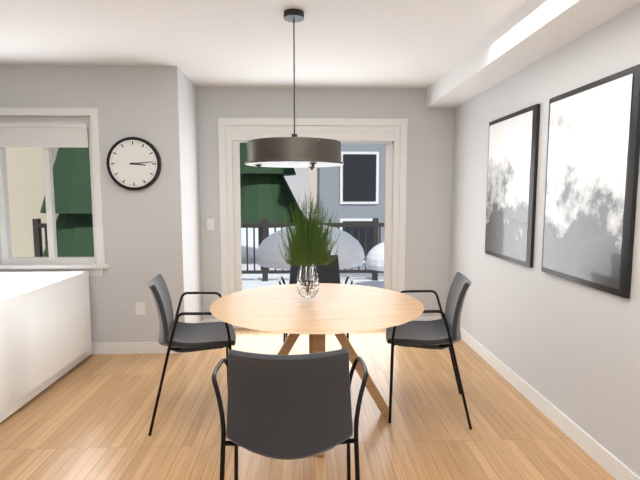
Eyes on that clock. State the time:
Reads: 3:14
